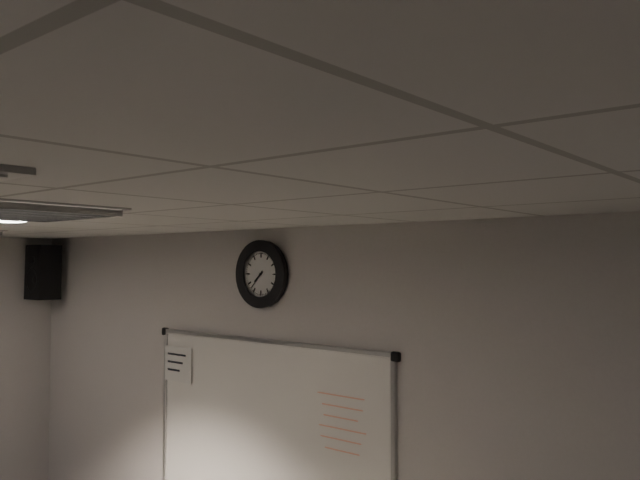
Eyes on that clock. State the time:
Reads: 7:37
